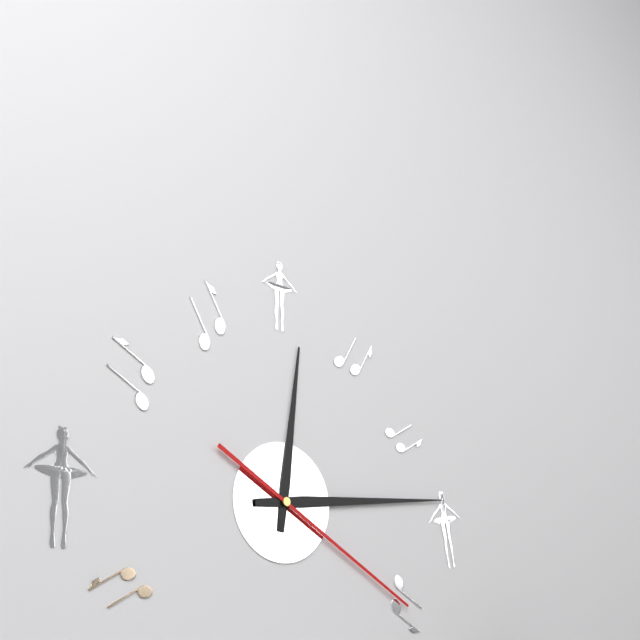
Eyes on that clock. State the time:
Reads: 12:14:20
